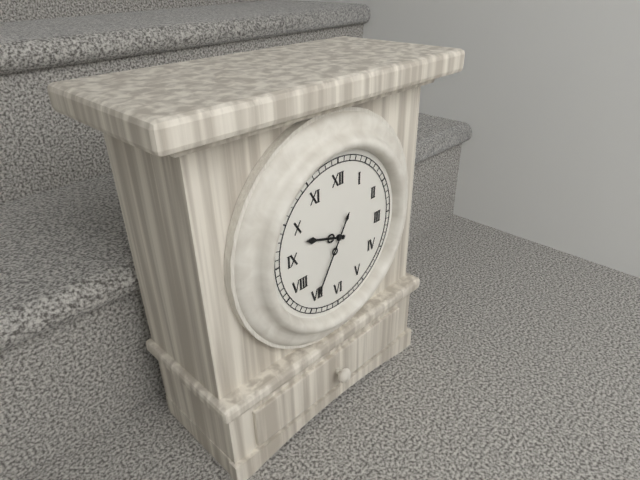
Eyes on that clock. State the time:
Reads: 9:35
